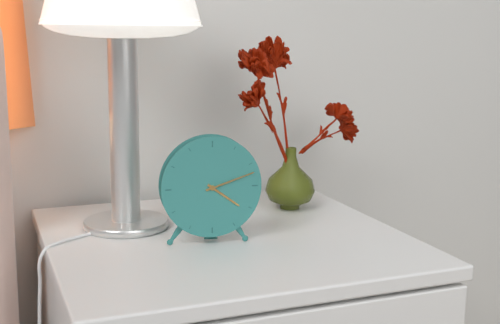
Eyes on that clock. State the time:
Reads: 4:12
